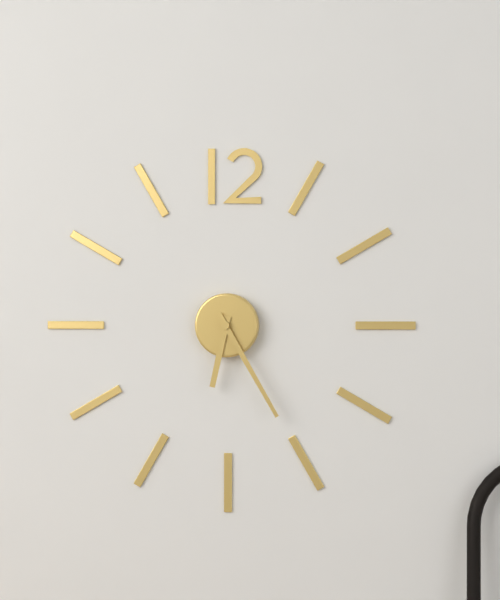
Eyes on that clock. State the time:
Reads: 6:25
